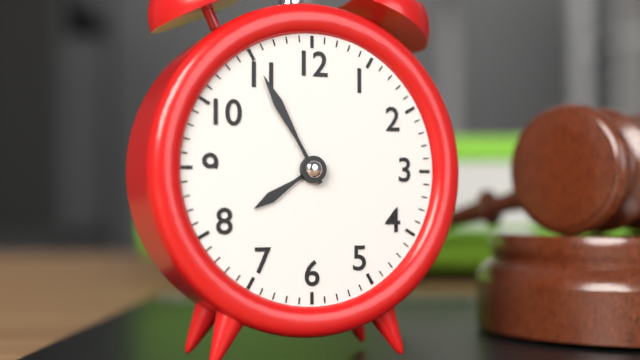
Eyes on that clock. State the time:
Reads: 7:55
